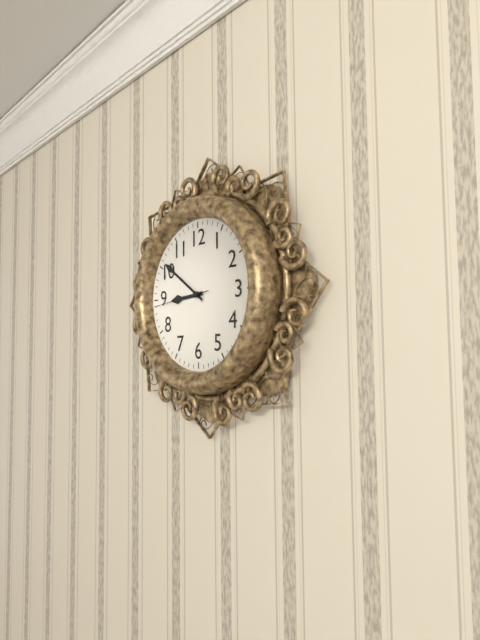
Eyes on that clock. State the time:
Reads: 8:51:44
